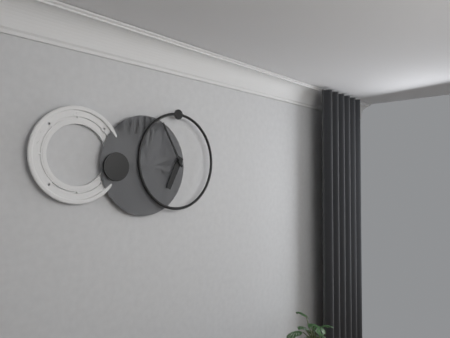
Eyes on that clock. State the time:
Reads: 6:55
